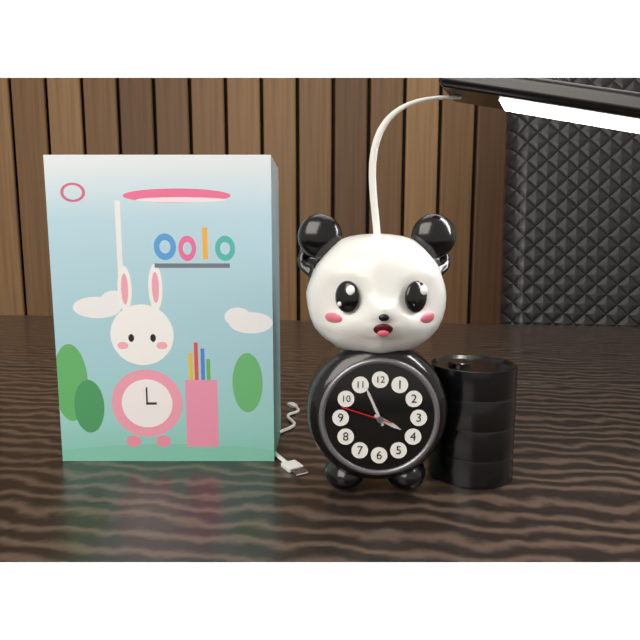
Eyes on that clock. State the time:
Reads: 3:56:48
